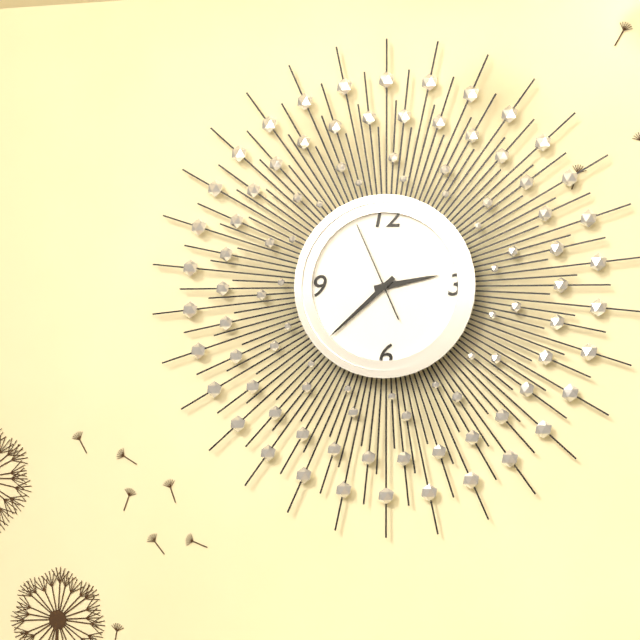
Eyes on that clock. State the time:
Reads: 2:38:56
